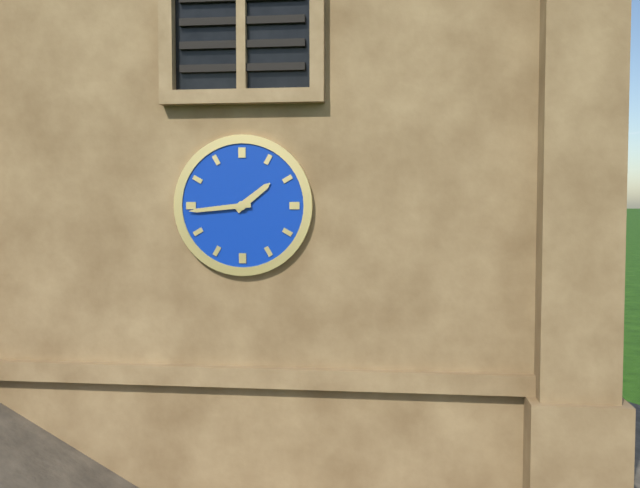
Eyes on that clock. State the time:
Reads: 1:44
